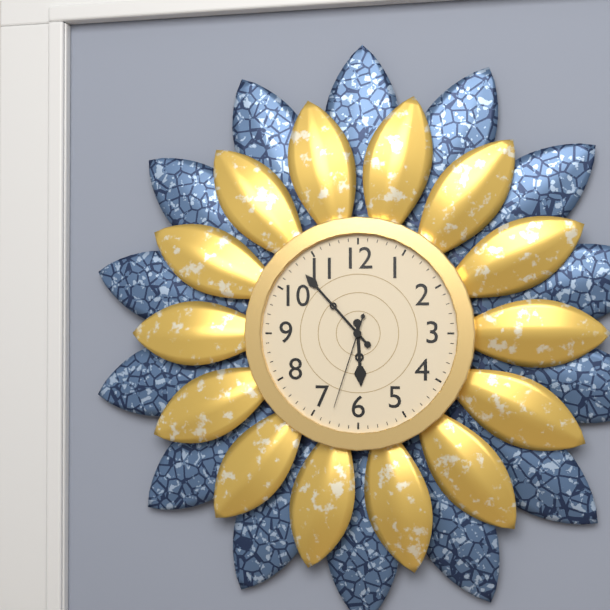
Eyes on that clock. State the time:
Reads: 5:53:33
